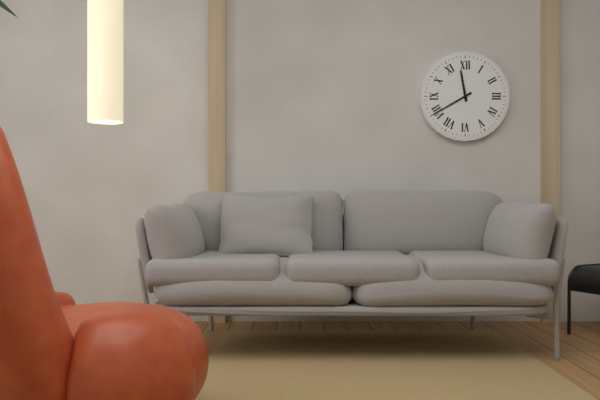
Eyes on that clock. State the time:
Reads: 11:40
